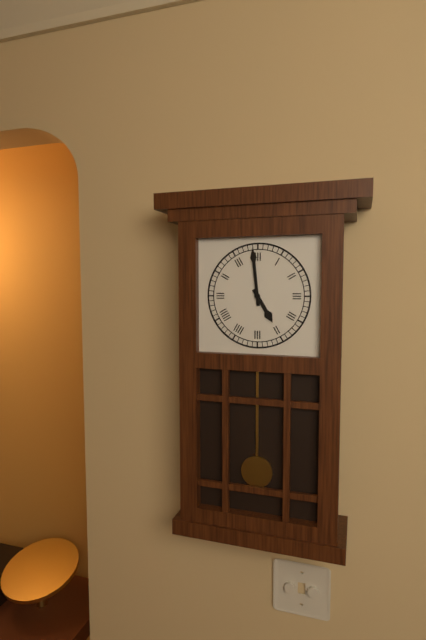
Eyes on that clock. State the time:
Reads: 4:59
